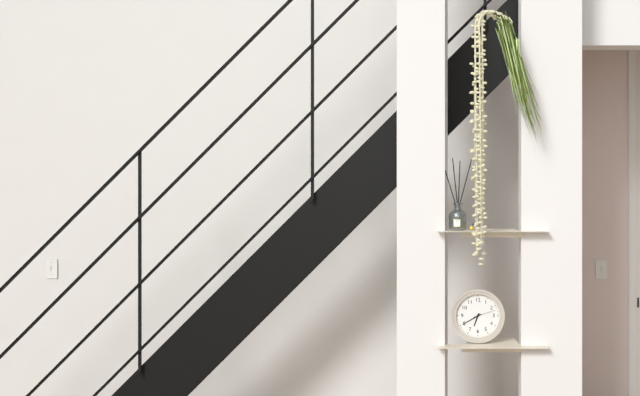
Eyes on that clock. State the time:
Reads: 6:40
